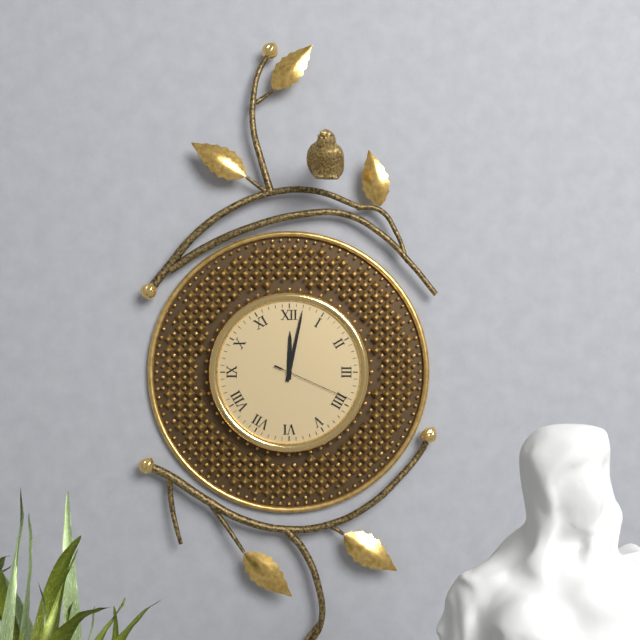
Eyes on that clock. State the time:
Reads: 12:02:19
